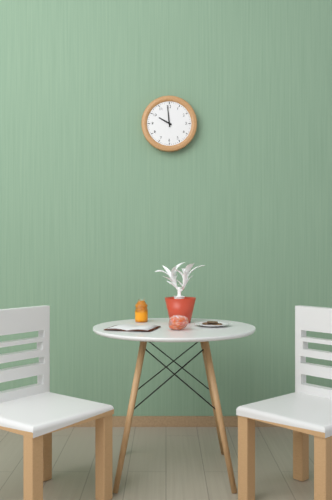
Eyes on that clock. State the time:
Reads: 9:59
